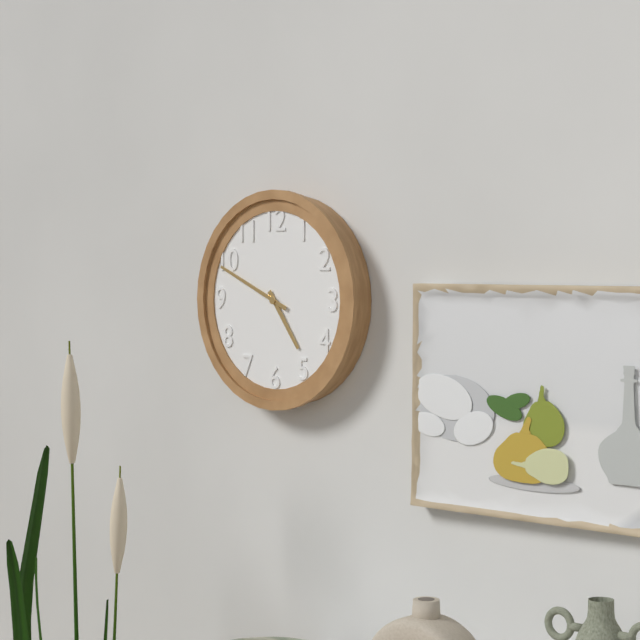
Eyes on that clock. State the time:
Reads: 4:49
